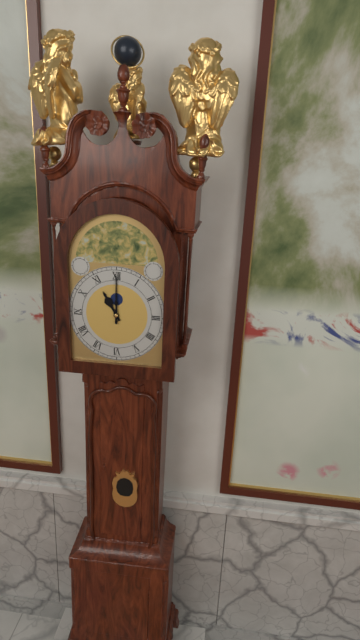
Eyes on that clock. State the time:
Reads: 11:00
